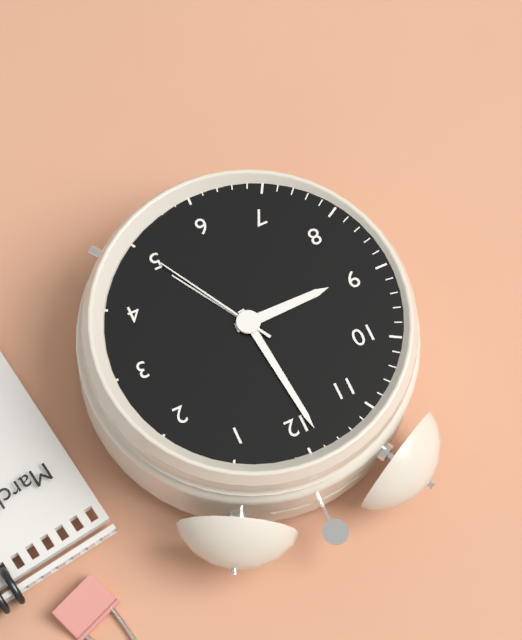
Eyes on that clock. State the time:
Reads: 8:59:25
